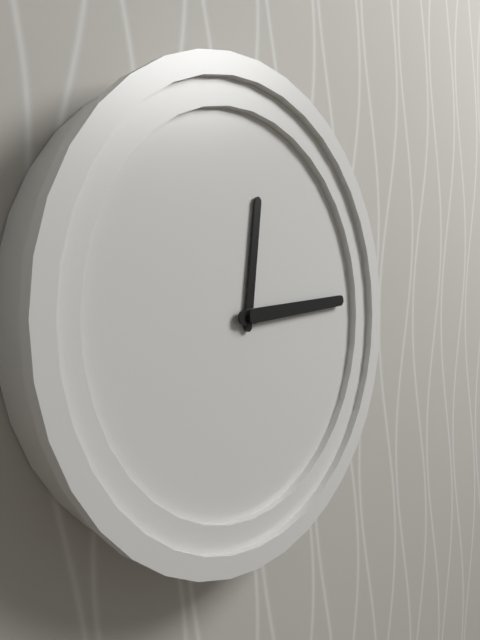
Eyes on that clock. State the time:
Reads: 12:14
